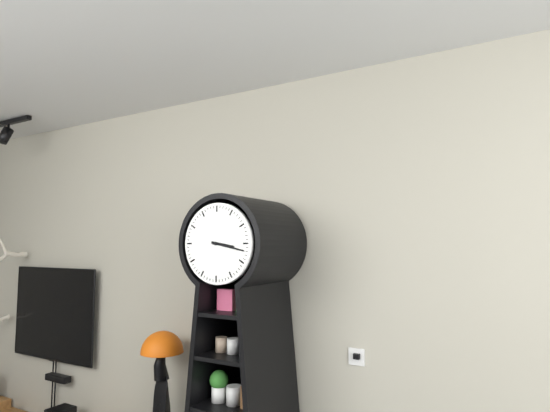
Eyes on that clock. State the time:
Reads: 3:17
